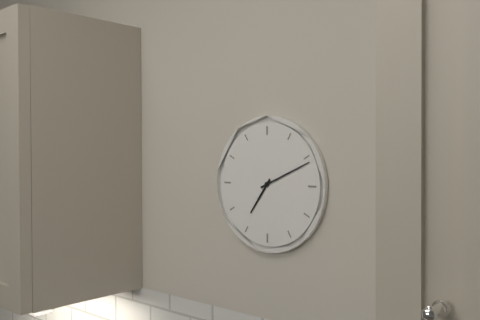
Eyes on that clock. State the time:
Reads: 7:11
